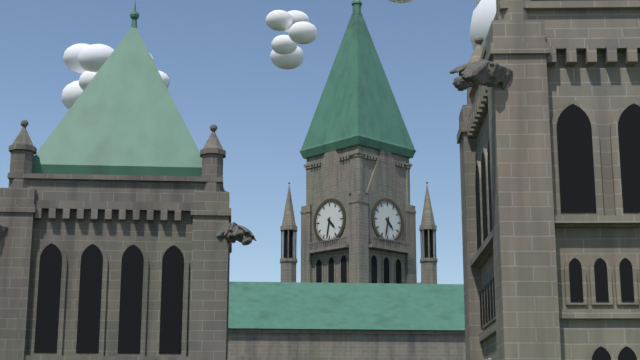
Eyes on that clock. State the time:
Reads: 4:32
